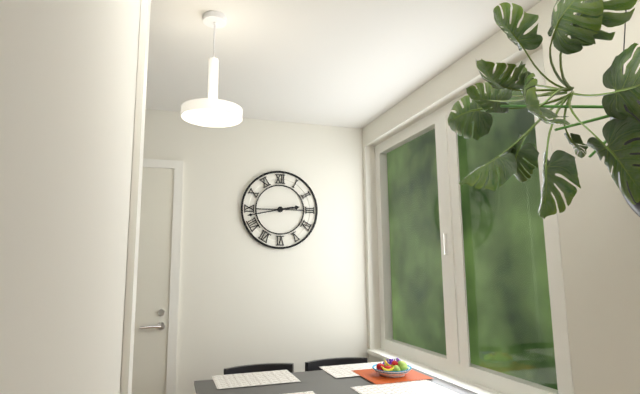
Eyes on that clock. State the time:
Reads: 2:43
